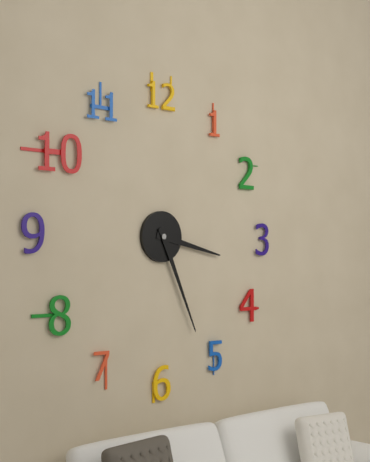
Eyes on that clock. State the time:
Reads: 3:26
